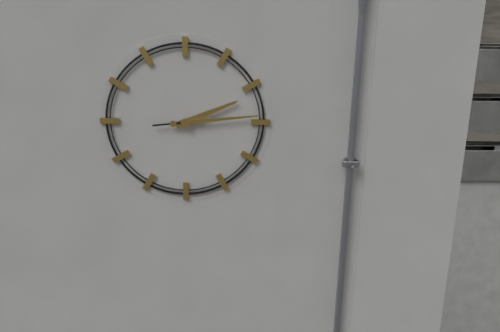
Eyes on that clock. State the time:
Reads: 2:14
